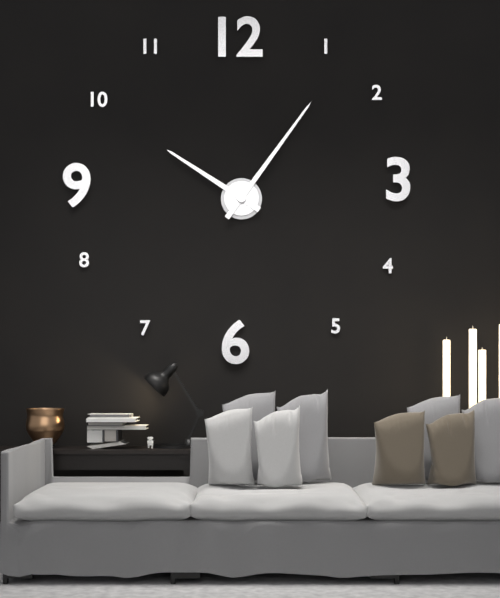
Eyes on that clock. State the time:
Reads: 10:06
